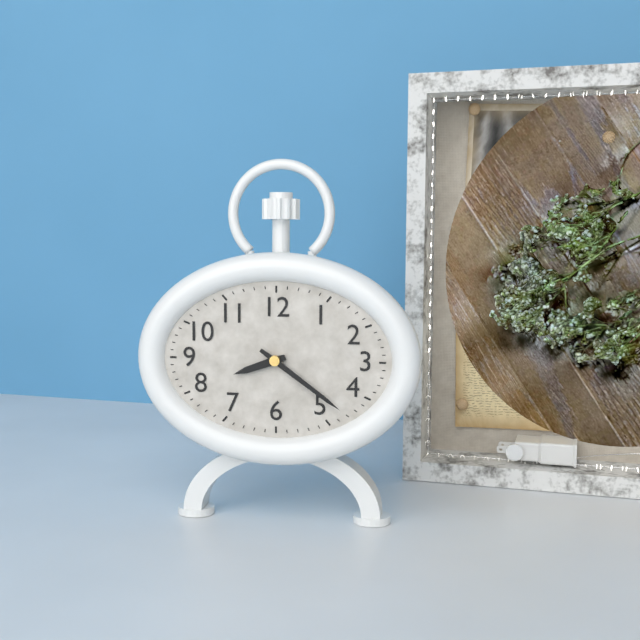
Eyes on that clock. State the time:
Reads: 8:21
